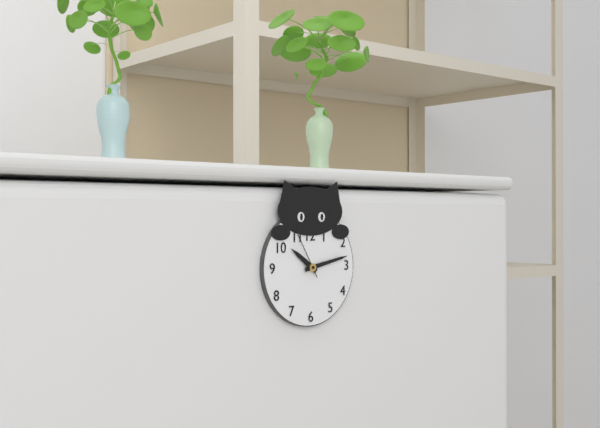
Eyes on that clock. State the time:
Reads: 10:13:55
